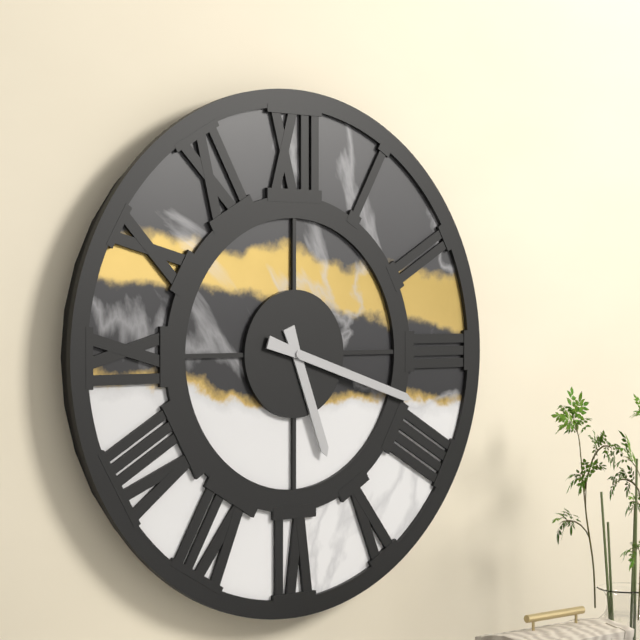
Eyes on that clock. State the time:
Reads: 5:18
